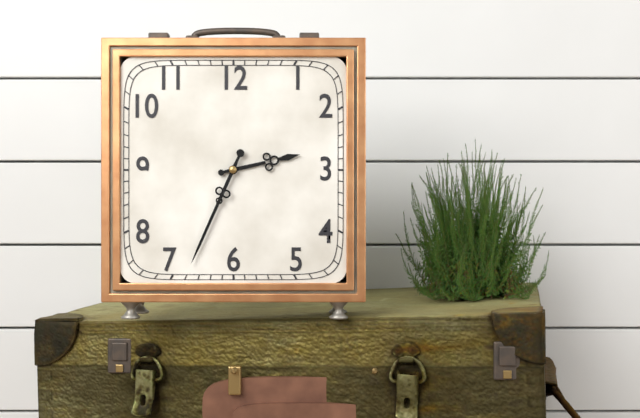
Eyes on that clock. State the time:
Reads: 2:34
